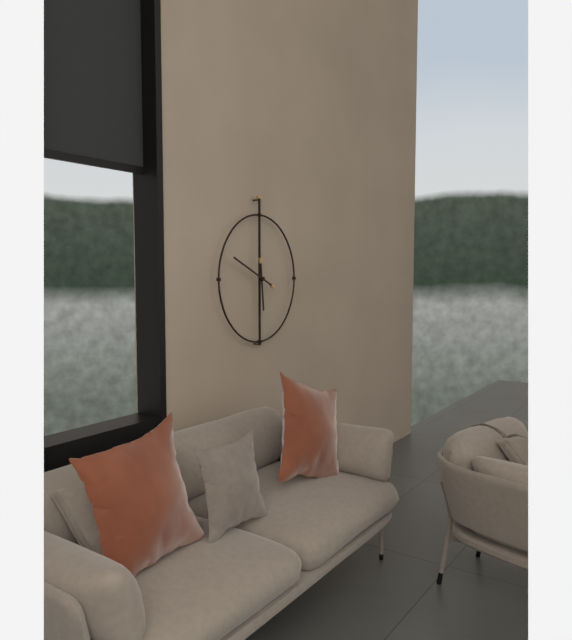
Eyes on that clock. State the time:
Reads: 5:49
